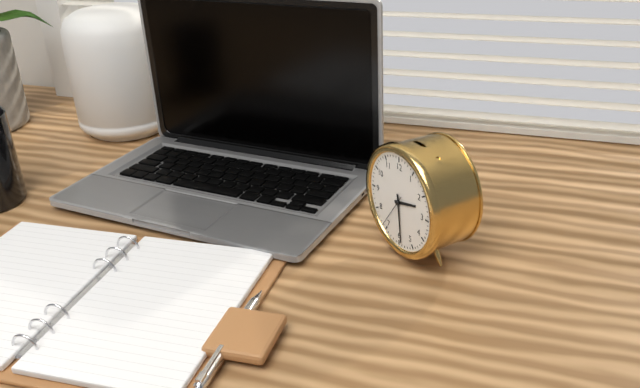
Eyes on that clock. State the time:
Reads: 2:29
